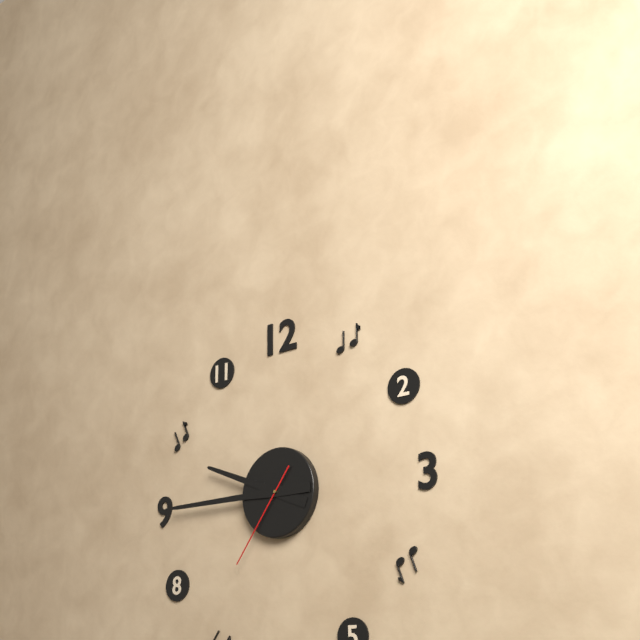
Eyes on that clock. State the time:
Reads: 9:45:36
